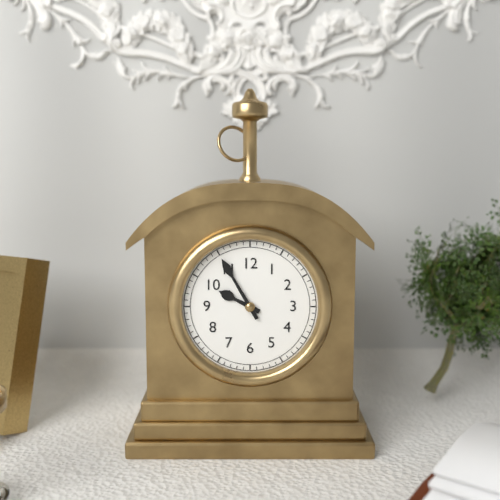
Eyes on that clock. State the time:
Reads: 9:55
